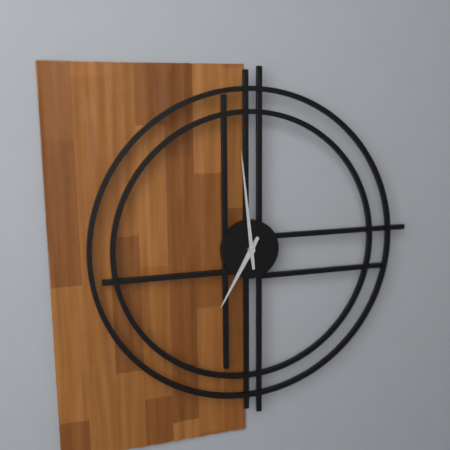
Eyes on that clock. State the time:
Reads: 6:59
